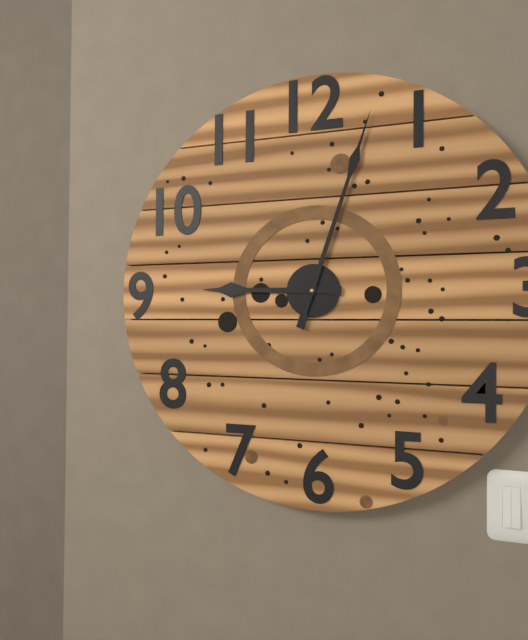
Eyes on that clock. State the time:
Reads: 9:03
